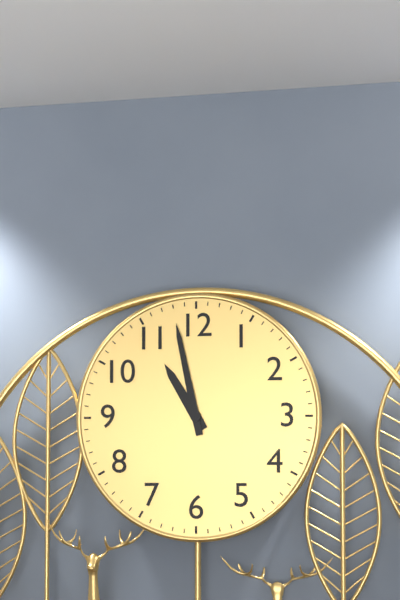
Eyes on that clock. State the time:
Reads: 10:58
